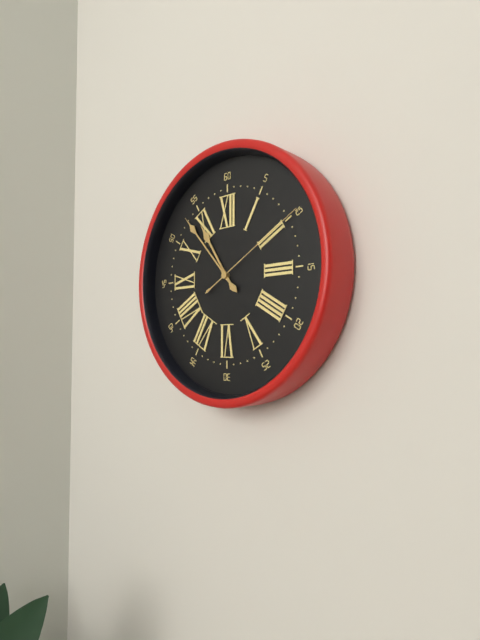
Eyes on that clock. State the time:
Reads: 10:53:10
